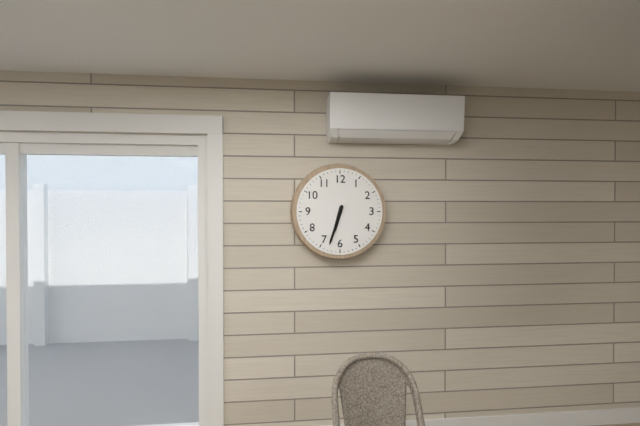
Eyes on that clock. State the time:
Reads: 6:33
